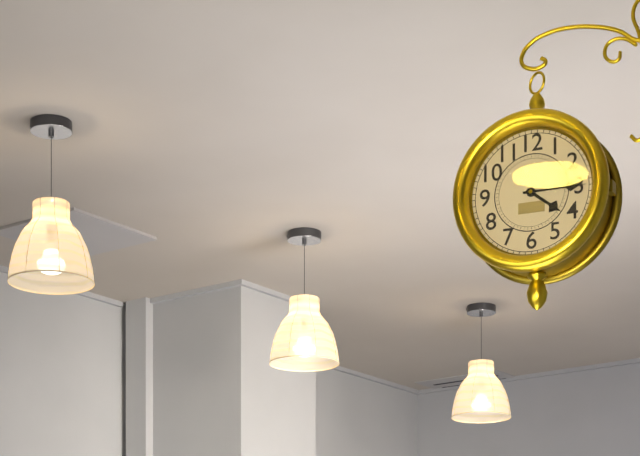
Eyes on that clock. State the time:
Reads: 4:15
